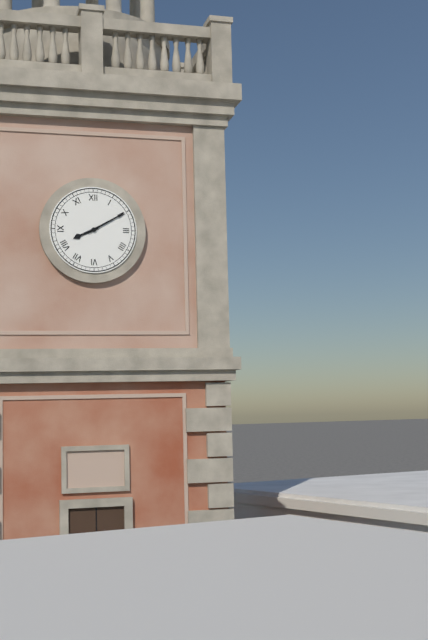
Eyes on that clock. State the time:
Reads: 8:10
